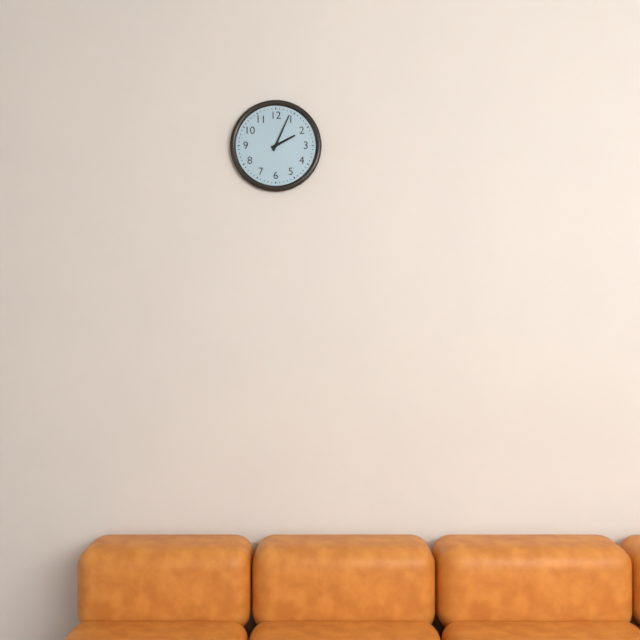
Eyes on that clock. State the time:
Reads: 2:04
